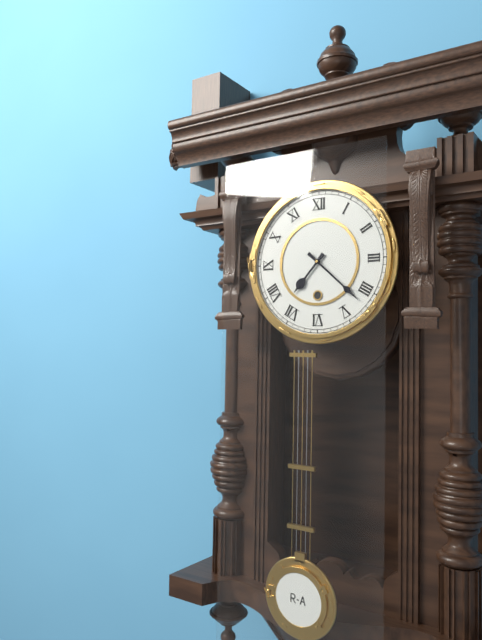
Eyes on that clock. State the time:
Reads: 7:22
